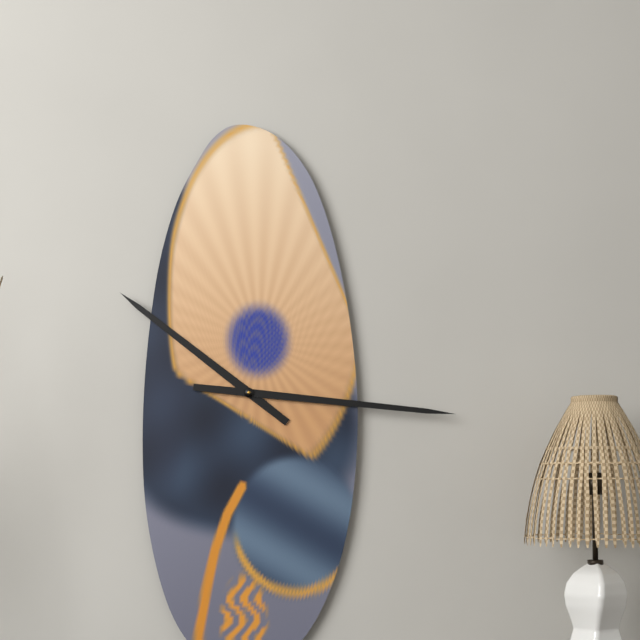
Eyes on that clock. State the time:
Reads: 10:16
